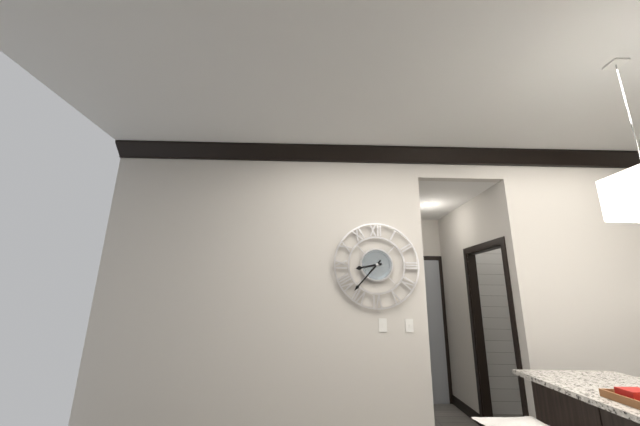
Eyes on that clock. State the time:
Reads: 8:37
